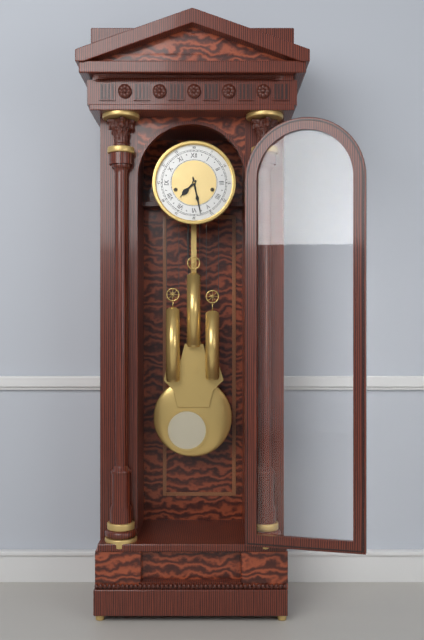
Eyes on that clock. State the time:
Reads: 7:28
